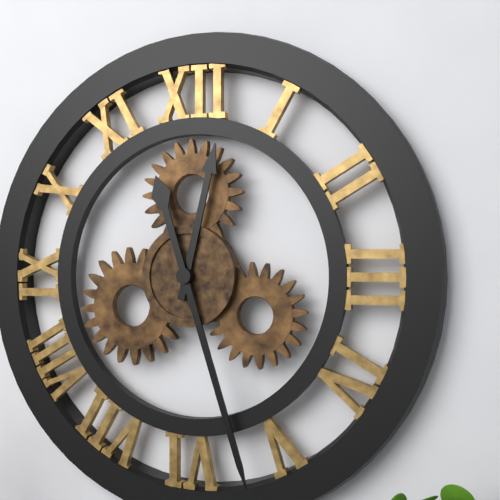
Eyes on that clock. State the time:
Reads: 12:27
